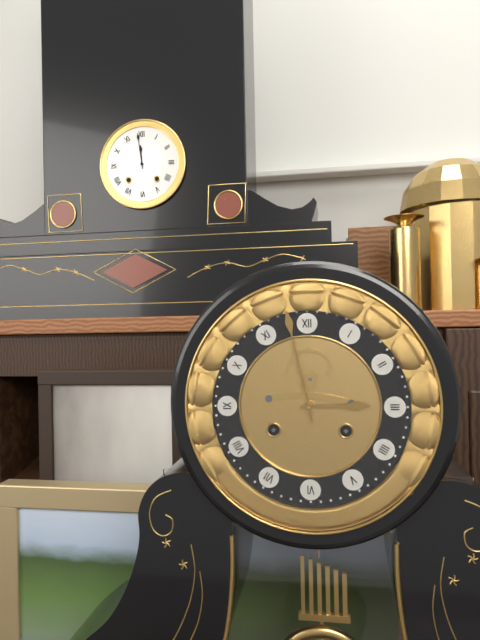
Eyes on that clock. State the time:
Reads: 2:58
